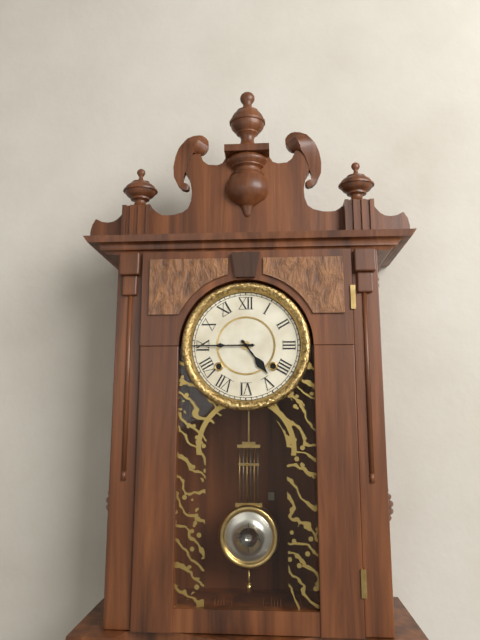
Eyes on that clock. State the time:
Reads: 4:45
